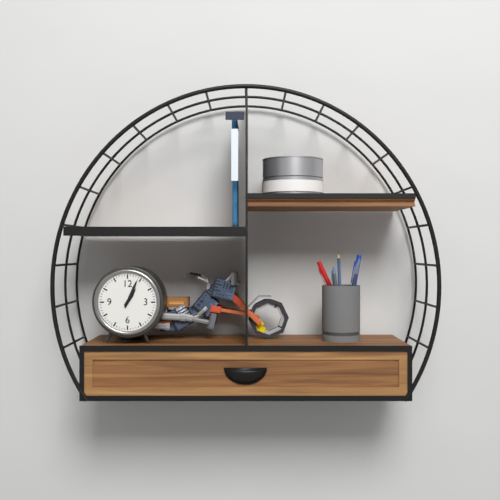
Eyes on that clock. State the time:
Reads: 1:04
